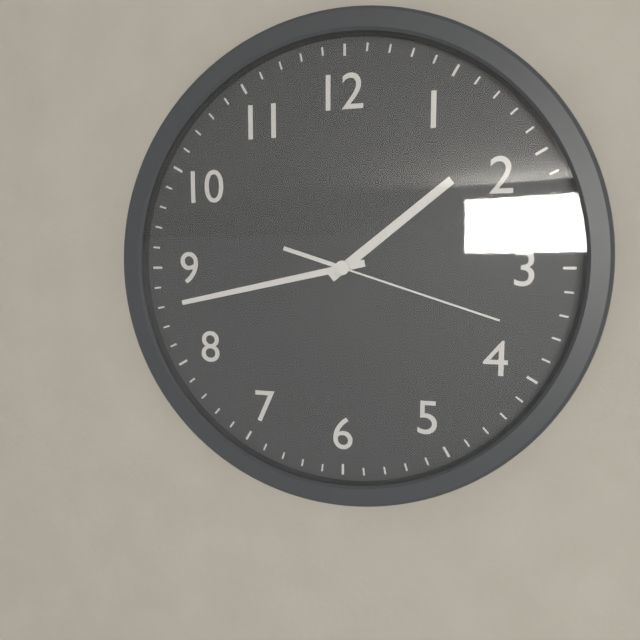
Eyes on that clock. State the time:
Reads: 1:43:18
